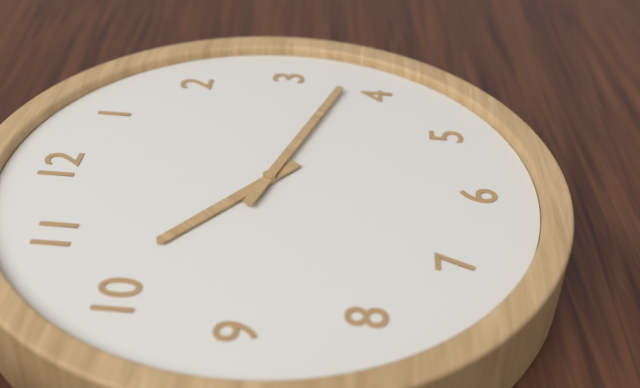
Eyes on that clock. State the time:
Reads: 10:18
